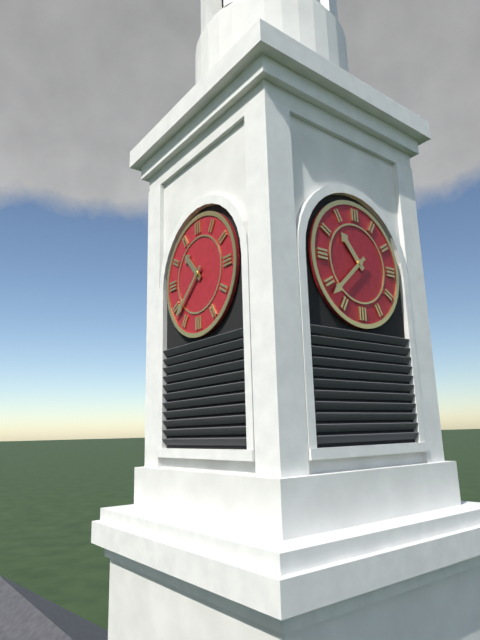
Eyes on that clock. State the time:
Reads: 10:38
